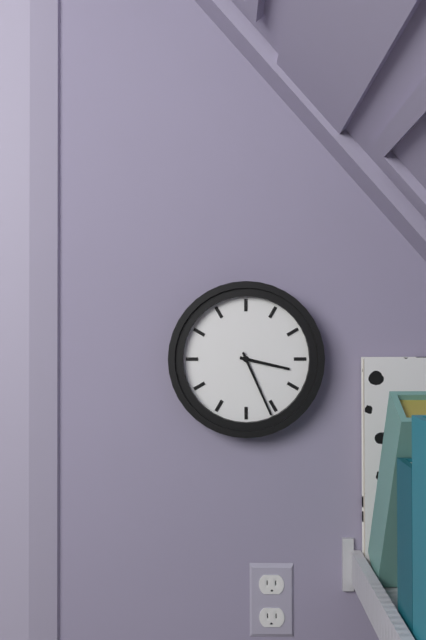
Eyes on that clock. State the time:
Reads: 3:26
